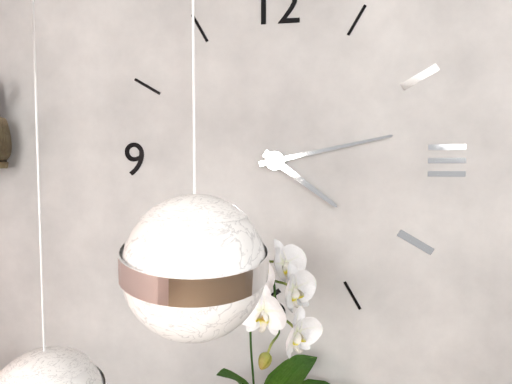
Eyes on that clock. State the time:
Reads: 4:13
